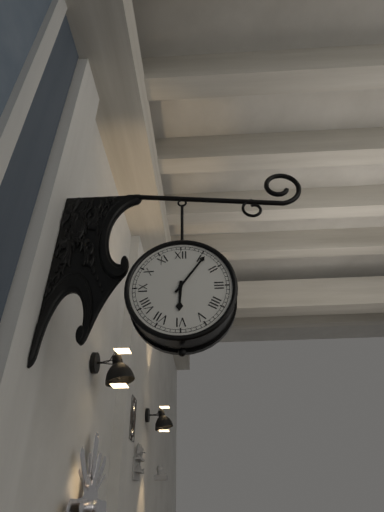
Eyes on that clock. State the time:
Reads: 6:06
